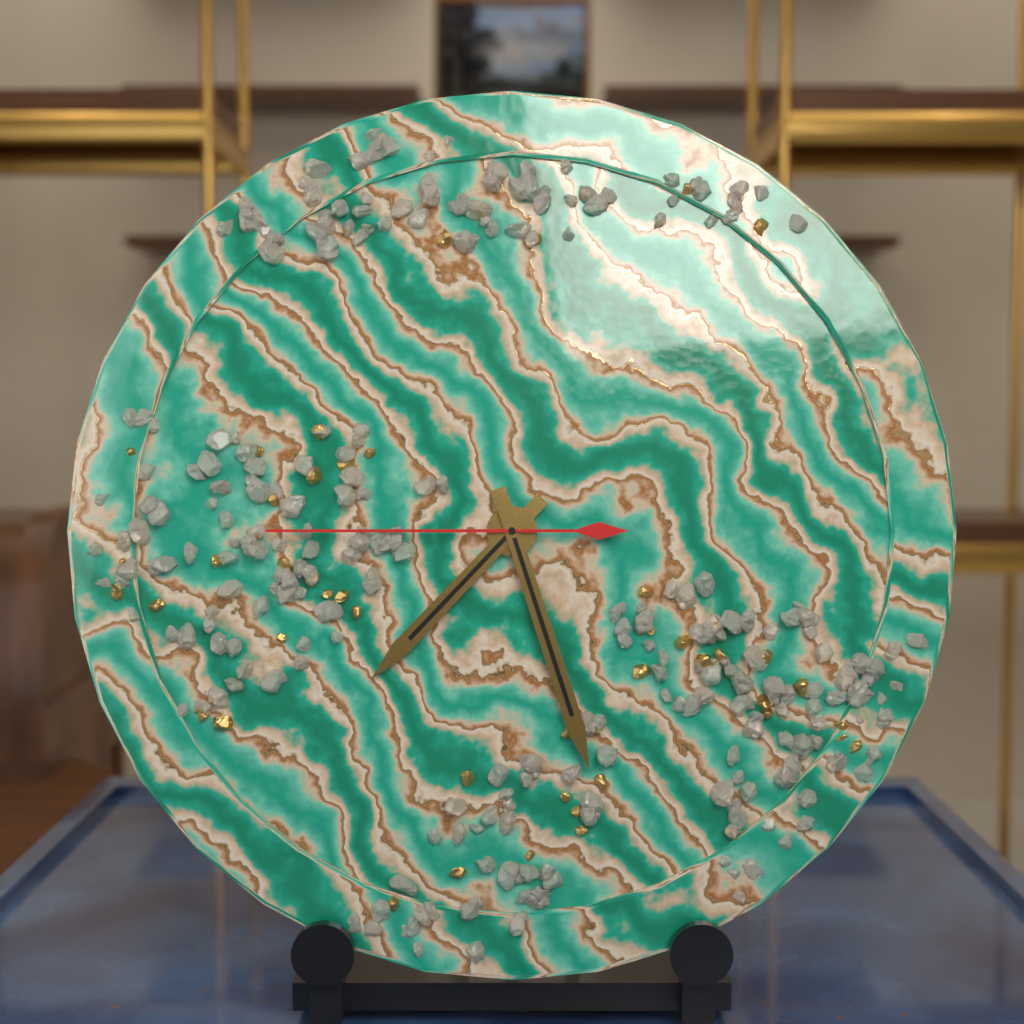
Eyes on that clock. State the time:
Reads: 7:27:45
